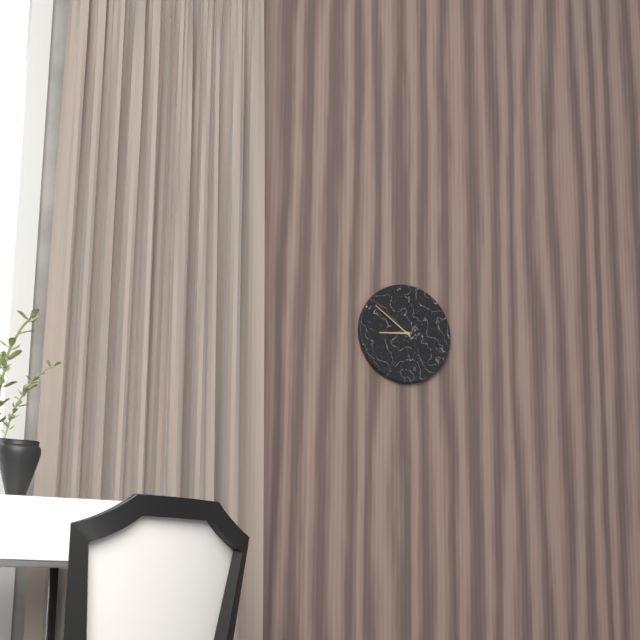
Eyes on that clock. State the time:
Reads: 8:51
